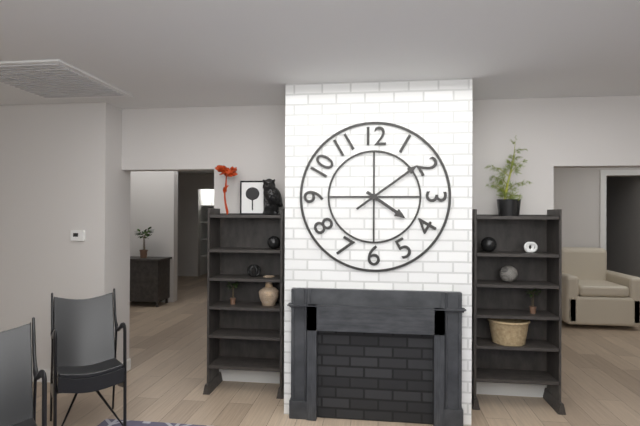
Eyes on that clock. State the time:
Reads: 4:09
